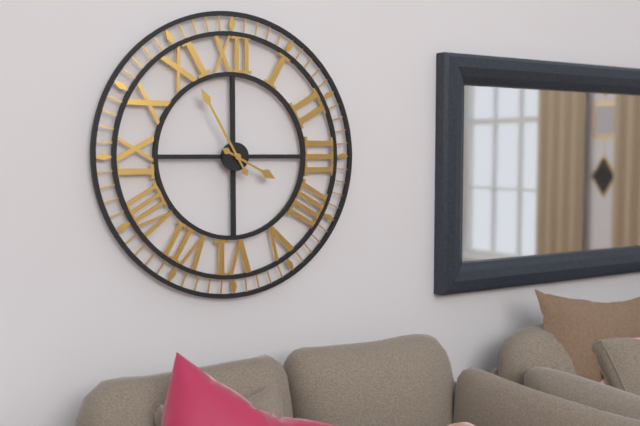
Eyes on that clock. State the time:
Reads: 3:55
